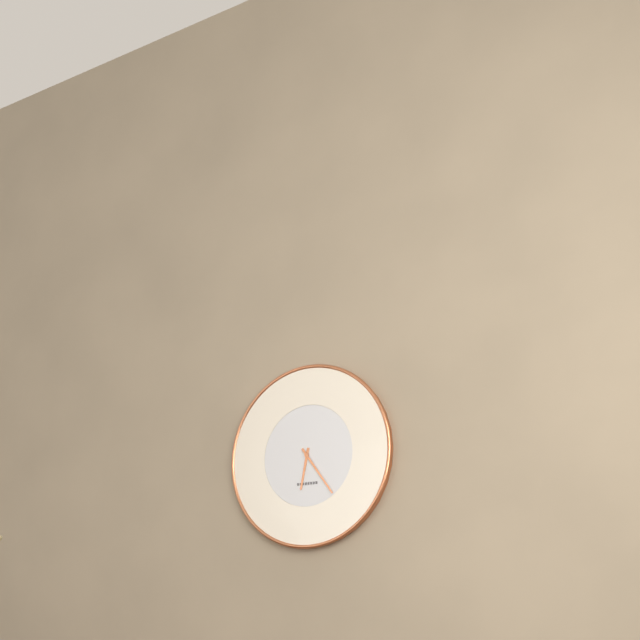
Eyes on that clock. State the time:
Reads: 6:24
